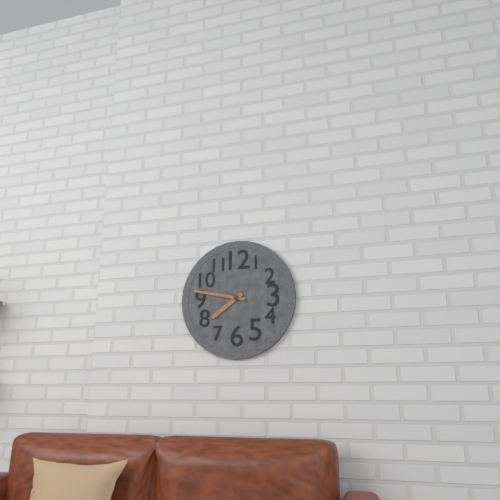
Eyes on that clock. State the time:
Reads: 7:47
